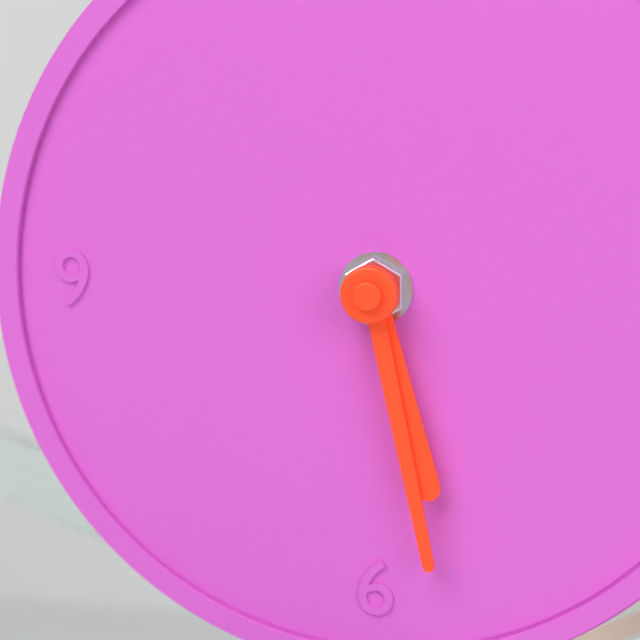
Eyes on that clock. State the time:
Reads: 5:28
